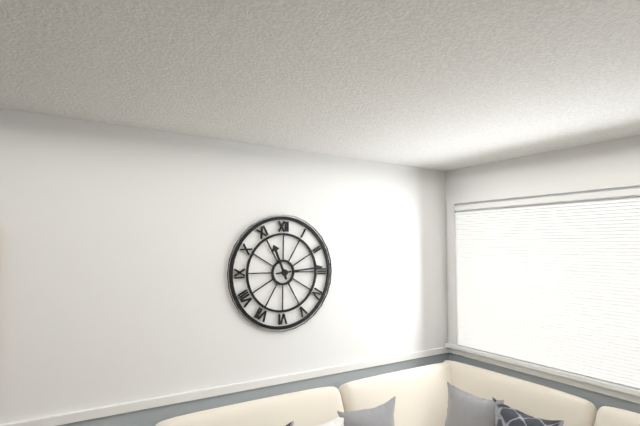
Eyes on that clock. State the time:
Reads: 11:14
